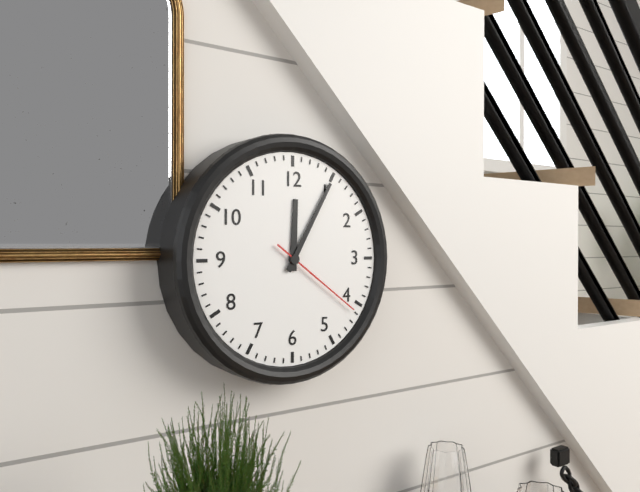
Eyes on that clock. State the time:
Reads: 12:05:21
